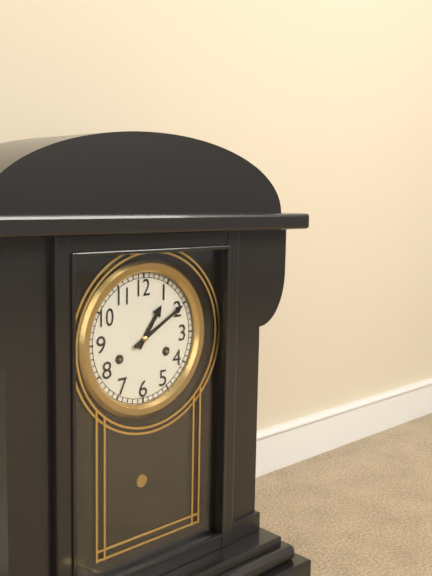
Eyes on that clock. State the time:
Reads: 1:10
